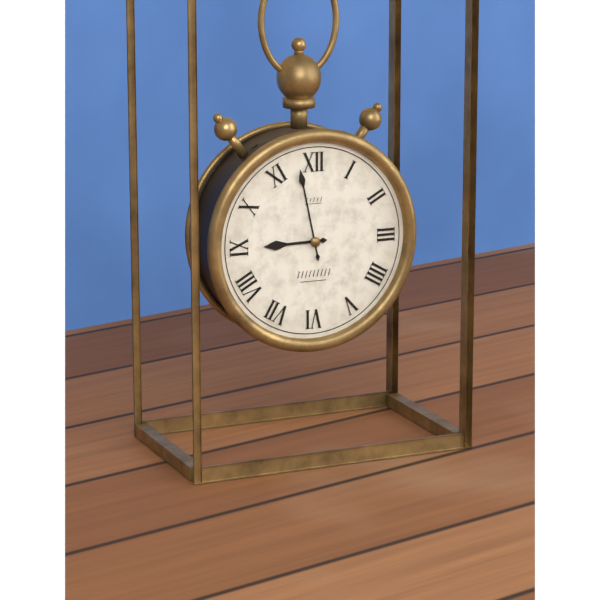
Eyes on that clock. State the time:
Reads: 8:58
